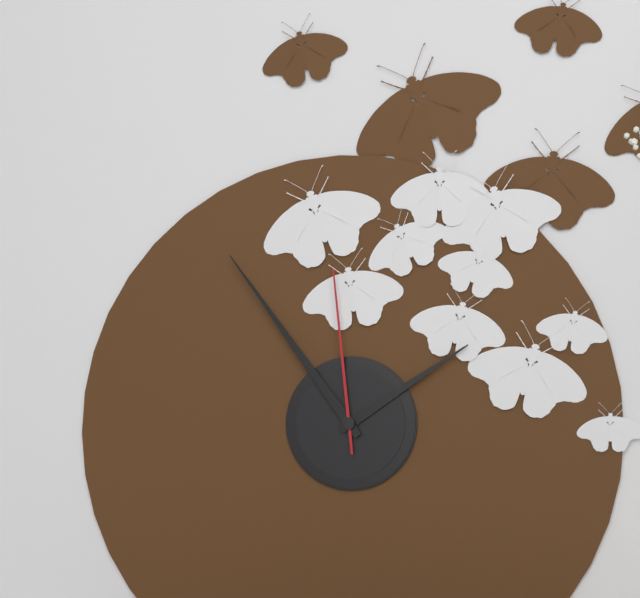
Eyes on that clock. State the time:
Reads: 1:54:59
